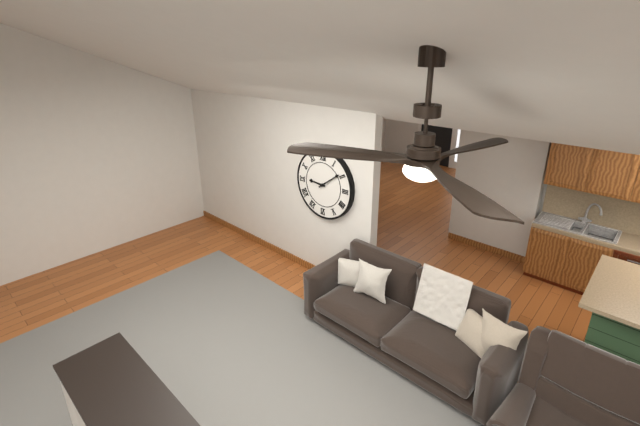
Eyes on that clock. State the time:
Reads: 9:09
